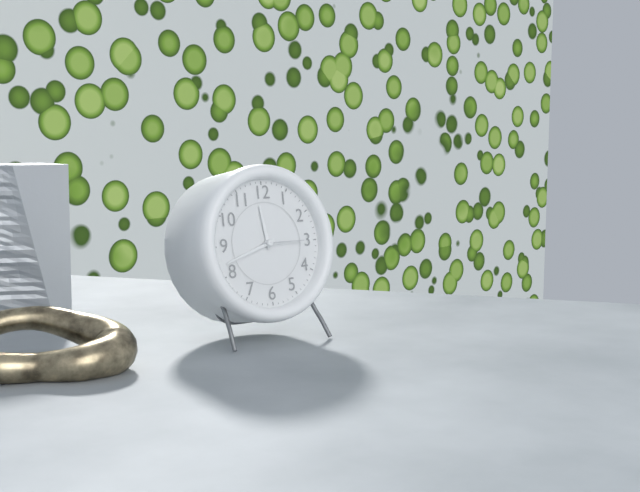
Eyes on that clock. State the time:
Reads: 11:42
